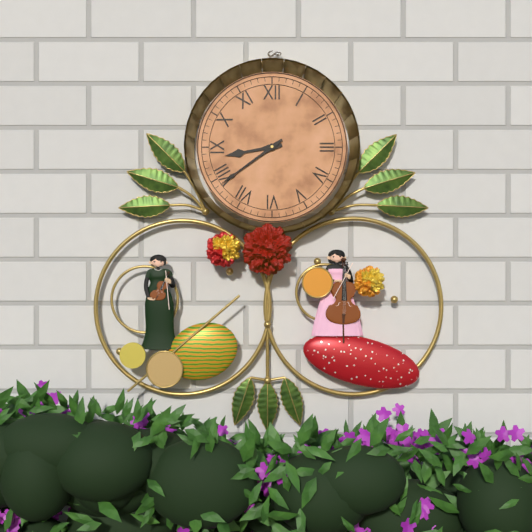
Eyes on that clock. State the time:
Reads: 8:39
